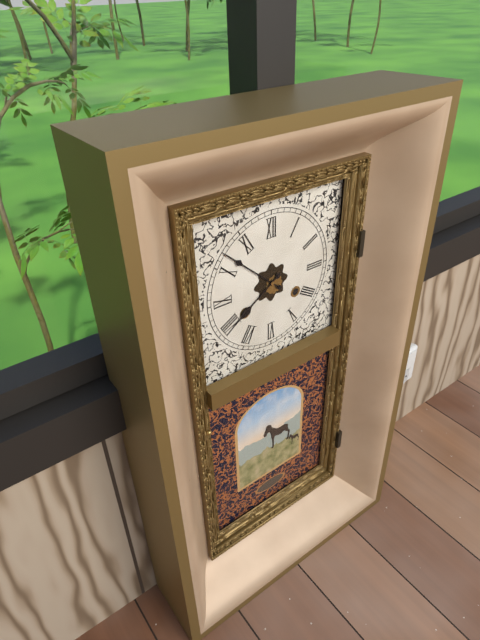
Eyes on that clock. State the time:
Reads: 7:52
